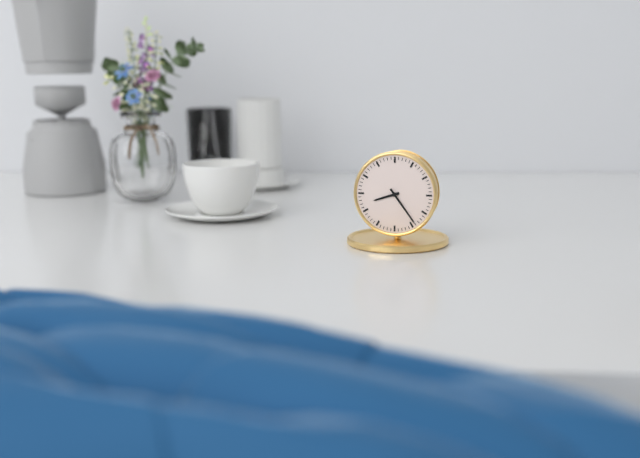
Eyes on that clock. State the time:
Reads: 8:24
